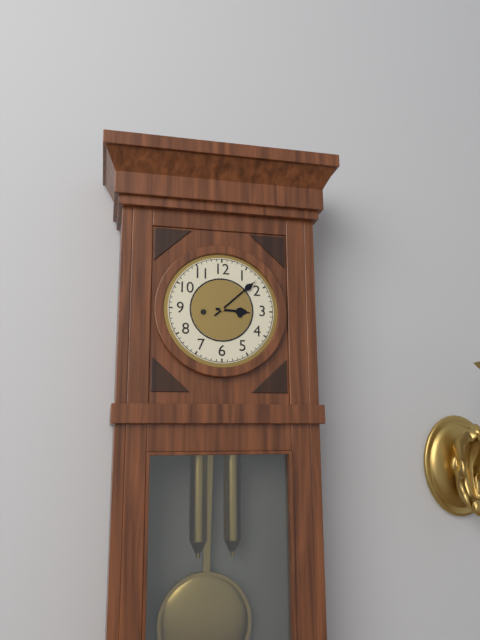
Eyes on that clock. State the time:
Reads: 3:08
